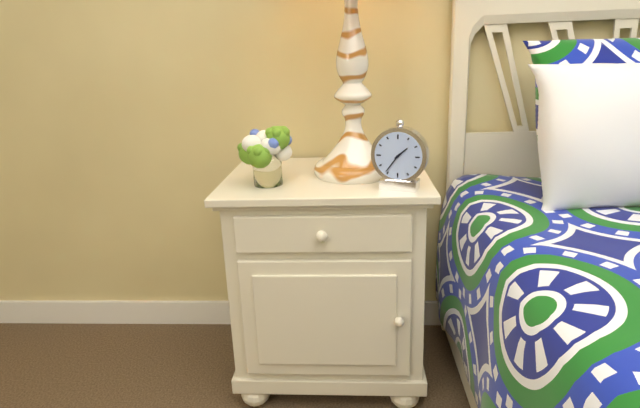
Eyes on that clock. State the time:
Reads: 1:36
